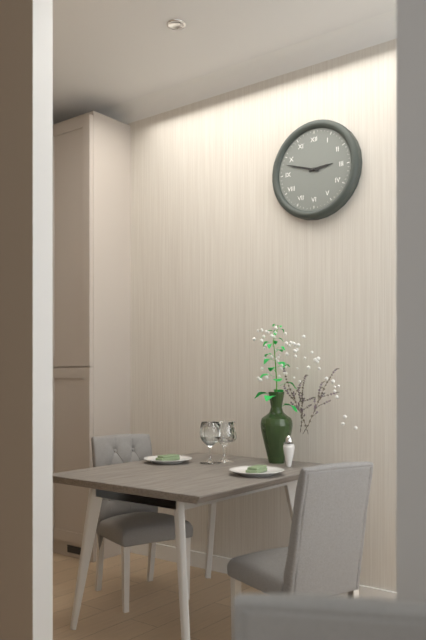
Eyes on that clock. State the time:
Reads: 2:48
